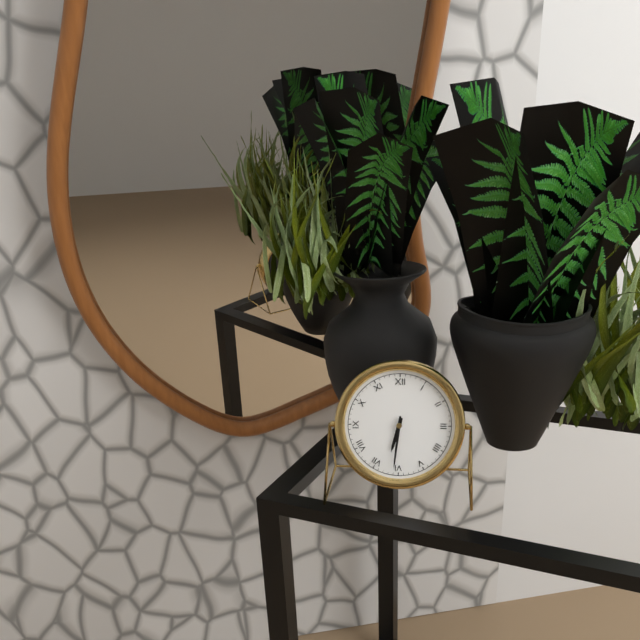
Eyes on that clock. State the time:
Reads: 6:31
